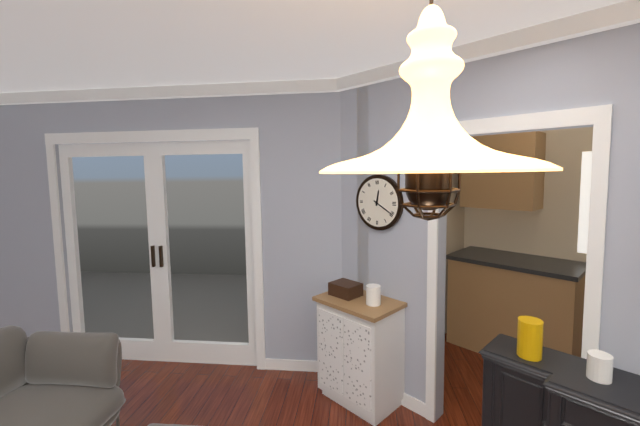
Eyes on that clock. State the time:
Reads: 12:20
